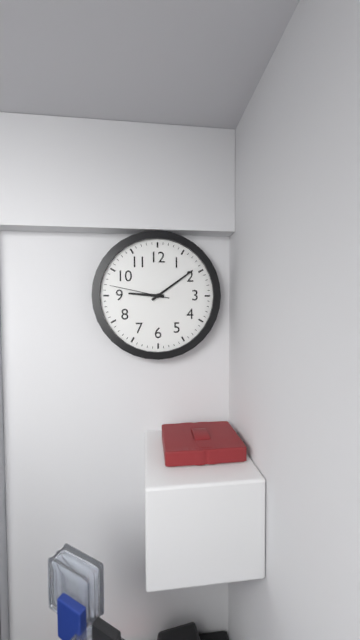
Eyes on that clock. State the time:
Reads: 9:09:47
